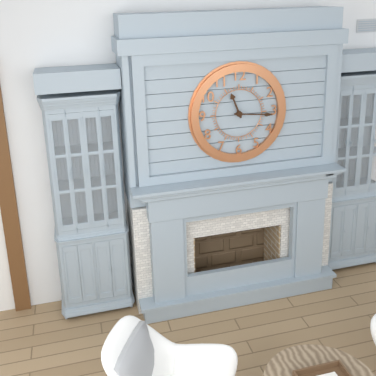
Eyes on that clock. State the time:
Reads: 11:16
